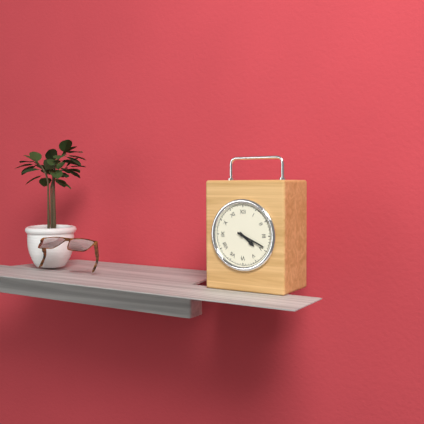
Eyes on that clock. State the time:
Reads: 4:19
